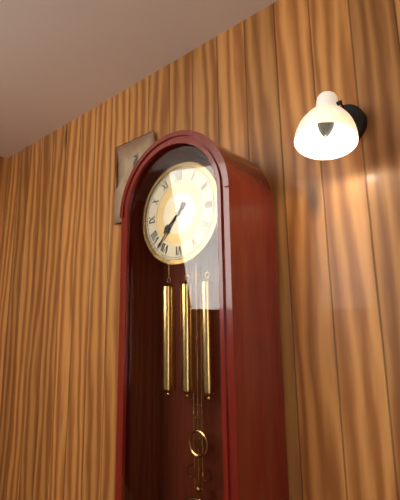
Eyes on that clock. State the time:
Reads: 7:37
